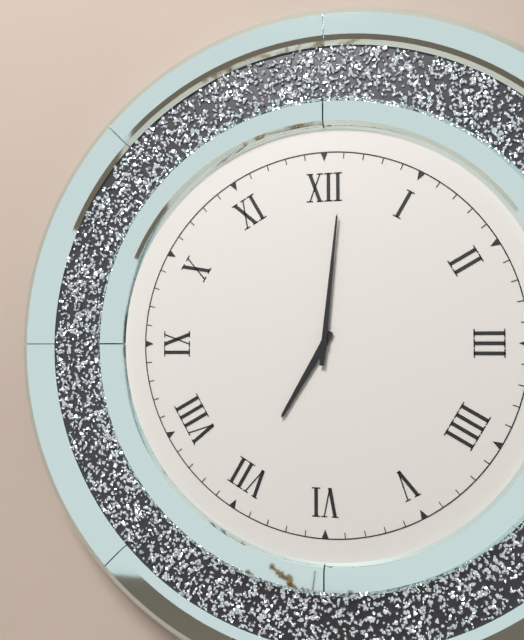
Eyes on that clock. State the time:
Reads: 7:01
